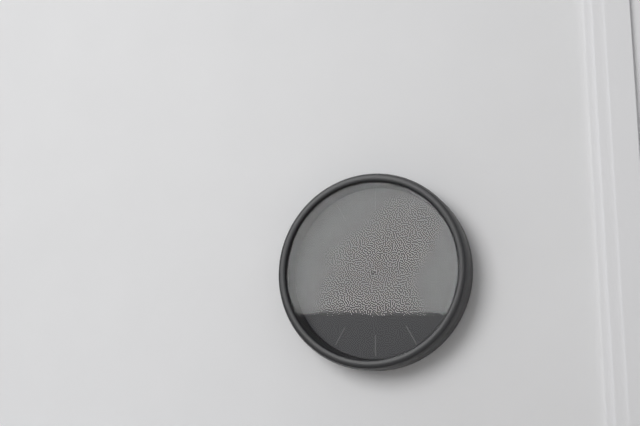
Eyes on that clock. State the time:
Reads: 12:45:02
